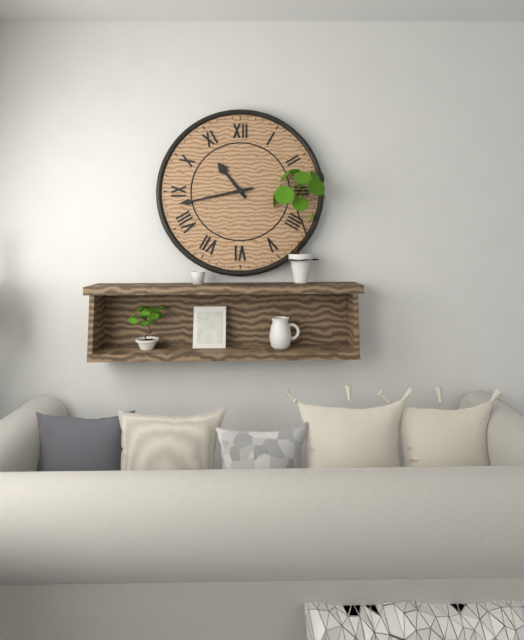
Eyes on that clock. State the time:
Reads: 10:43
